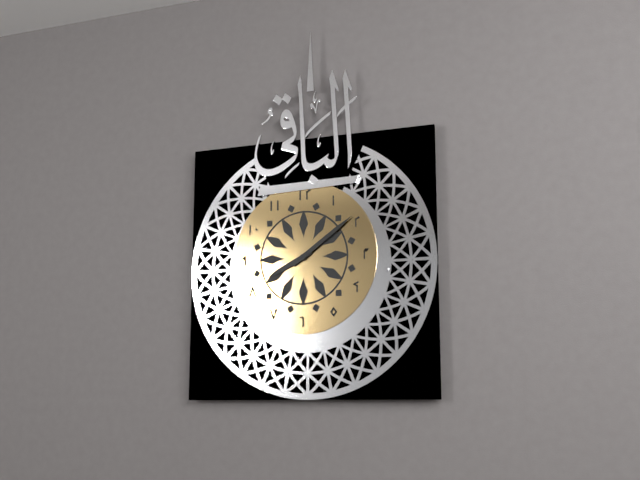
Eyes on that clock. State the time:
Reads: 8:09
